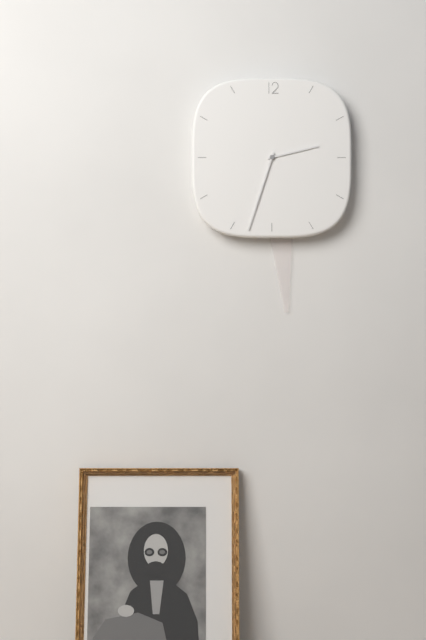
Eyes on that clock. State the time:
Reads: 2:33
